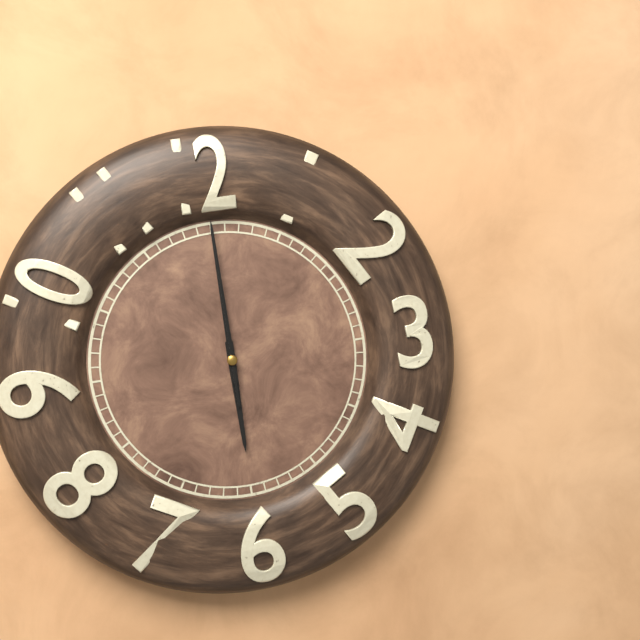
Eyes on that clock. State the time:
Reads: 6:00:00
